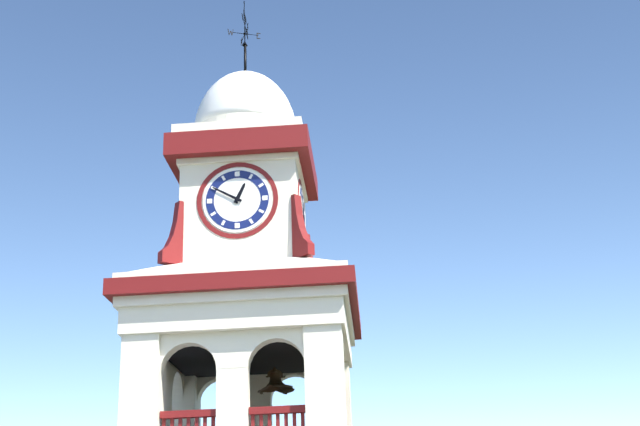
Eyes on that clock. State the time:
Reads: 12:50
